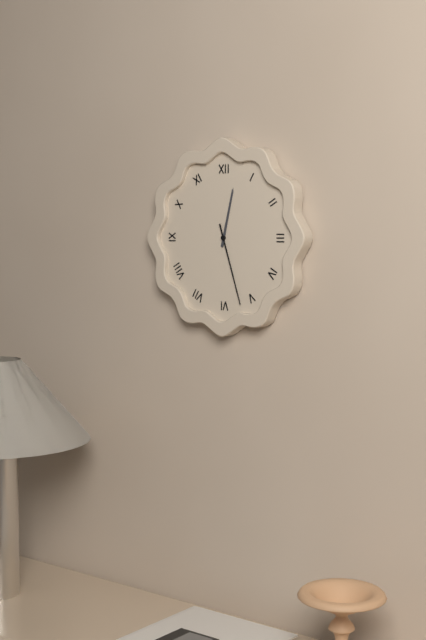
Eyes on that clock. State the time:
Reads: 12:27
